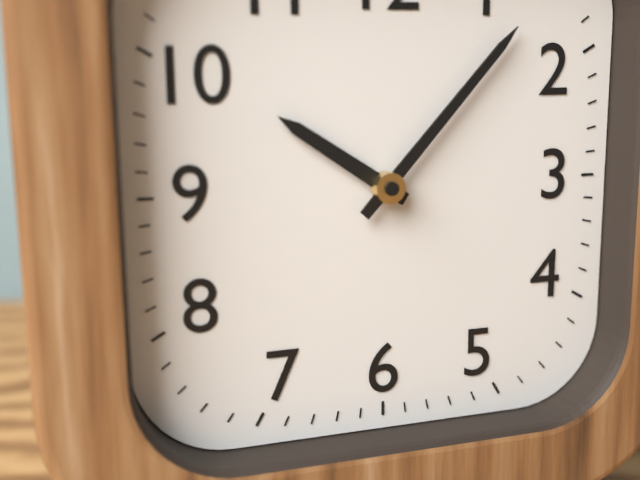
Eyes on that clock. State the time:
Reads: 10:07
